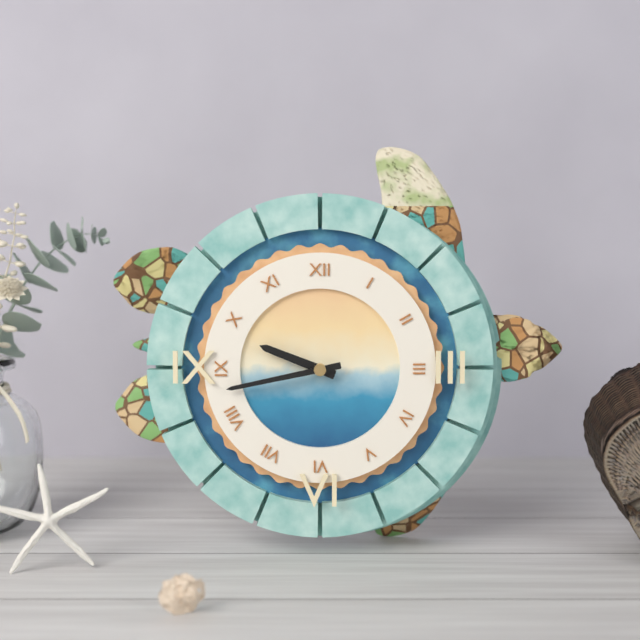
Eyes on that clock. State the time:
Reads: 9:43
